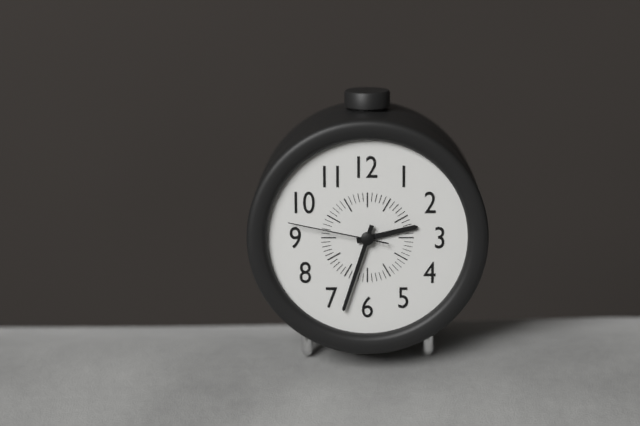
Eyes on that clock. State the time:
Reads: 2:33:47
